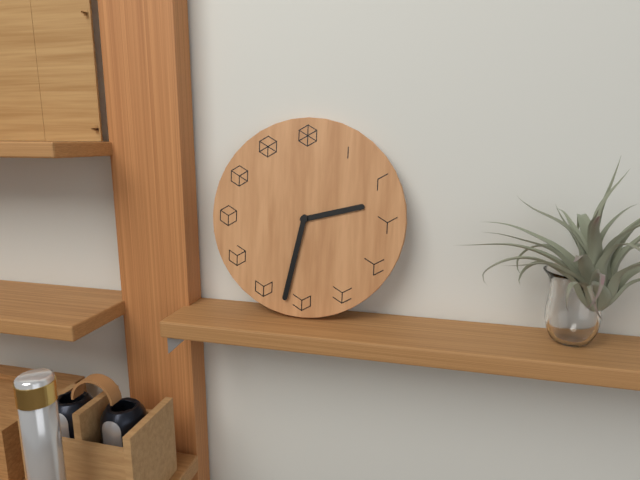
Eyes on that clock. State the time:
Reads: 2:32
